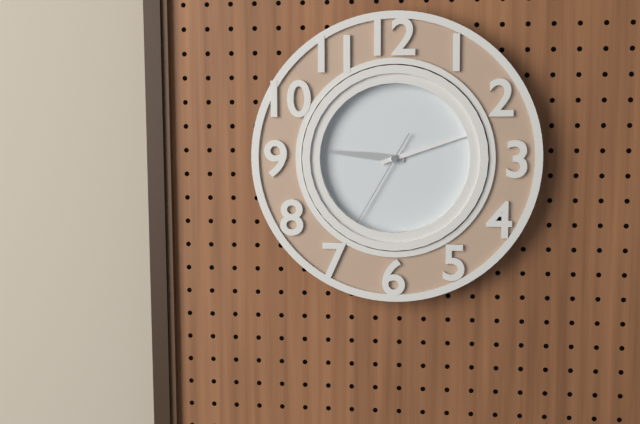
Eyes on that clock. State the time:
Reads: 9:12:35
